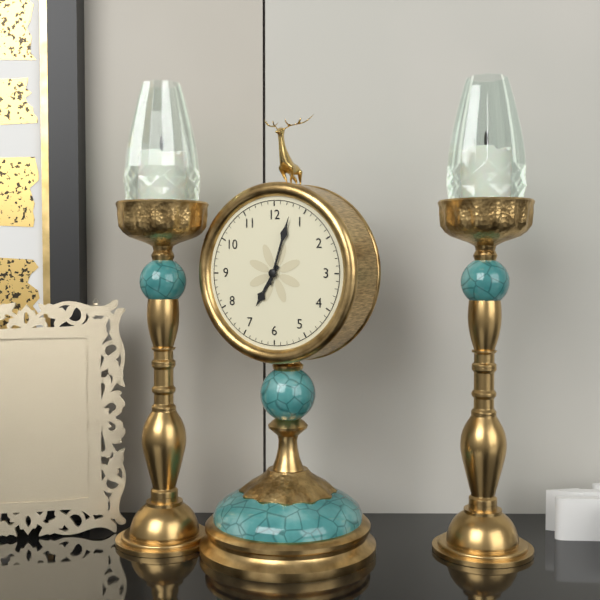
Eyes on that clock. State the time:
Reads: 7:03
